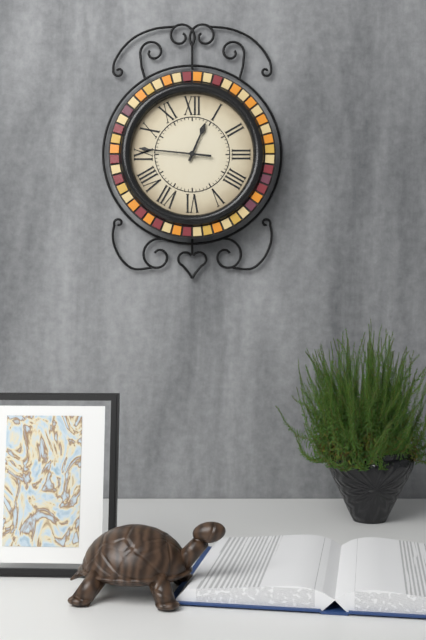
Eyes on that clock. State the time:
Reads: 12:46
